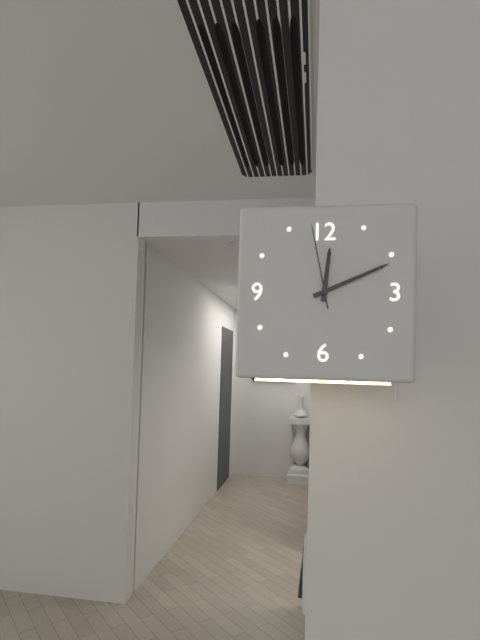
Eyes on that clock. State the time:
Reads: 12:11:58
